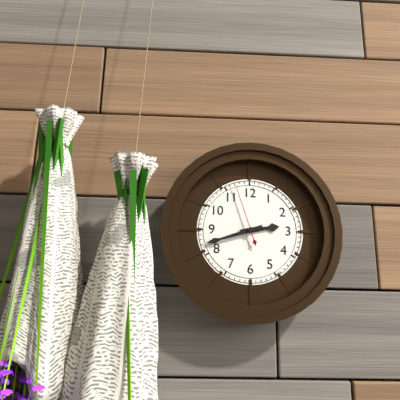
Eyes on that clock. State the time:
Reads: 2:42:57
